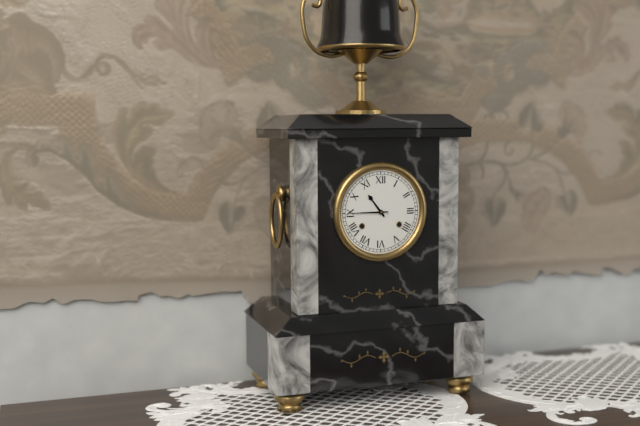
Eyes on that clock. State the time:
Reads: 10:45
